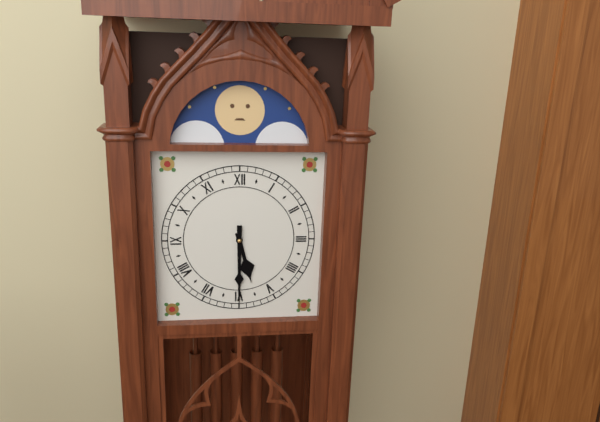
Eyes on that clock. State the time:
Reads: 5:30
